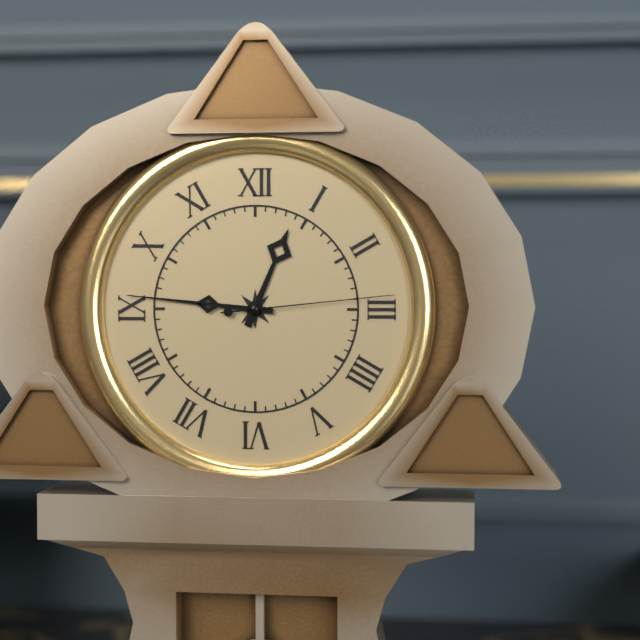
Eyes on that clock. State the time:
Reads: 12:46:14
